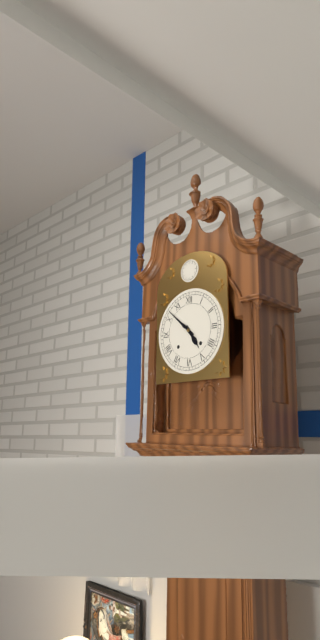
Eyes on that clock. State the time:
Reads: 4:52
